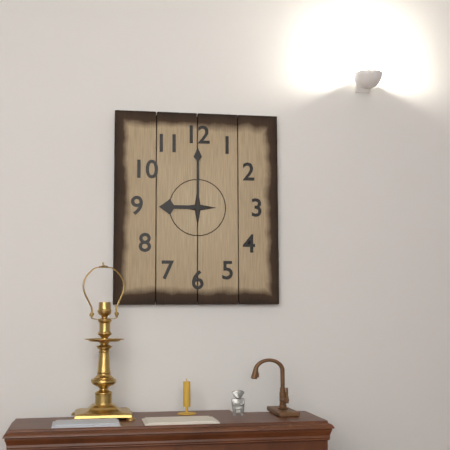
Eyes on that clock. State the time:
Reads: 9:00
